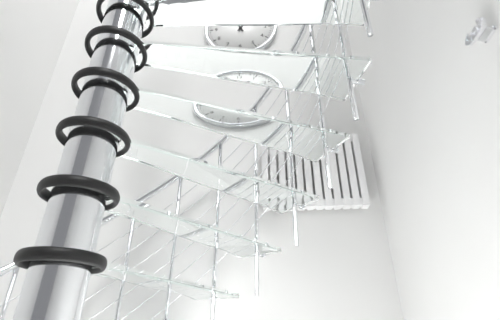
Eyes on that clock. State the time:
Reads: 12:56
